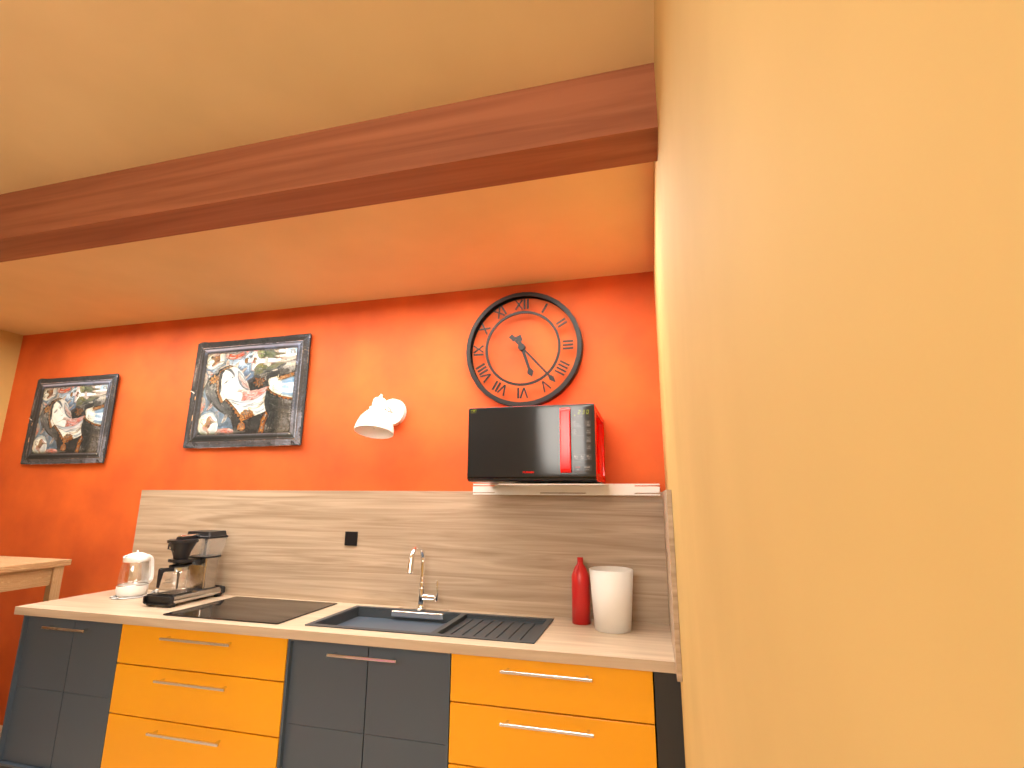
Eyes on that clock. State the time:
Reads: 5:23
